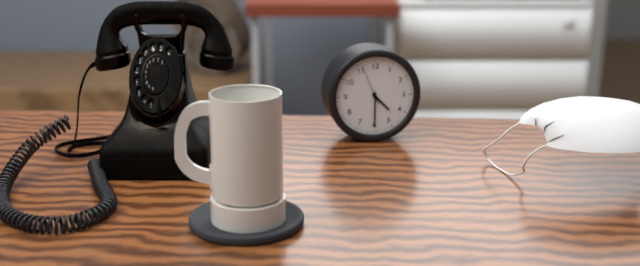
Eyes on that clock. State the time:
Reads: 4:30
